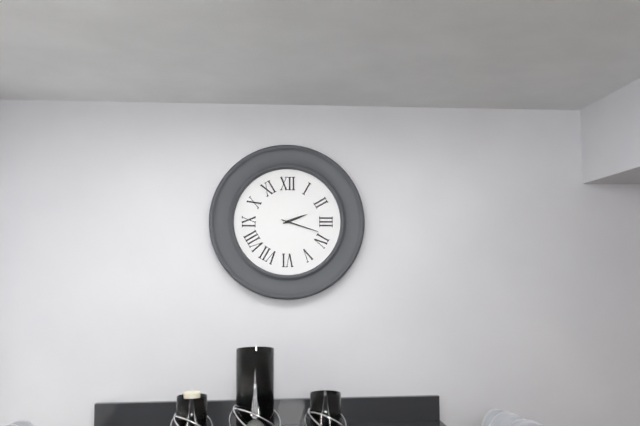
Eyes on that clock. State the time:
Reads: 2:18
